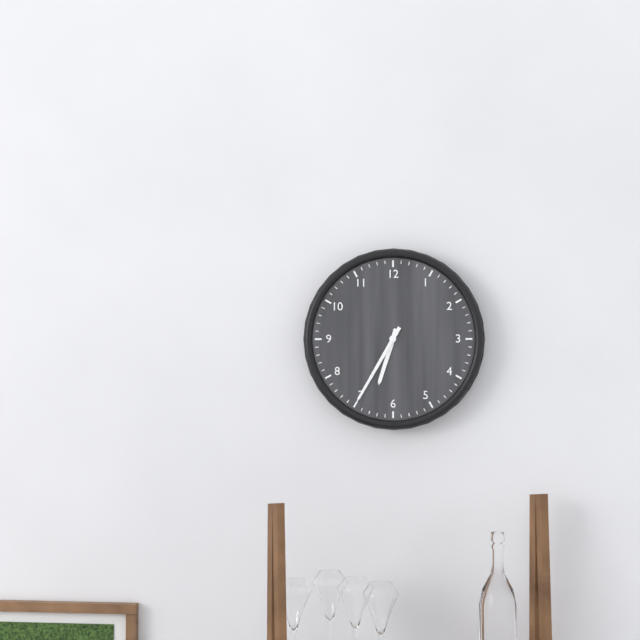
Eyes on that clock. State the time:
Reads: 6:35
